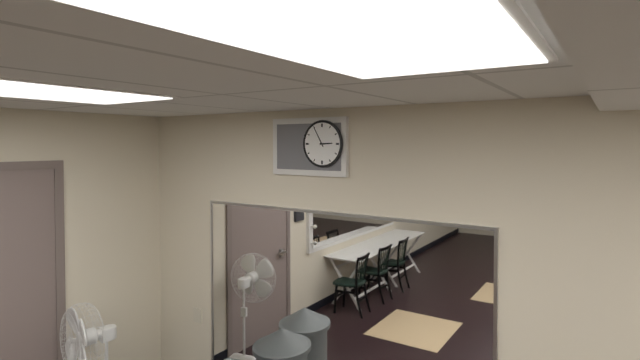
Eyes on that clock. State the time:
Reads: 2:55
